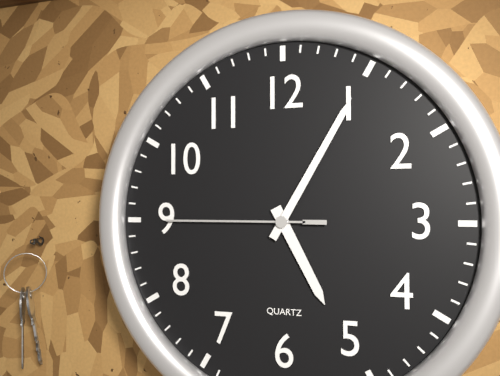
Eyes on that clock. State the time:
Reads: 5:05:45
